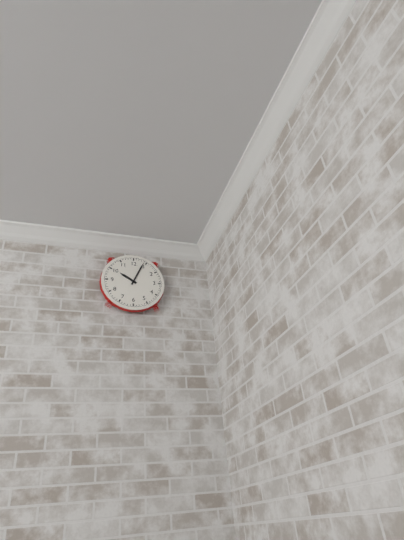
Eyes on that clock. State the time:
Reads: 10:04
